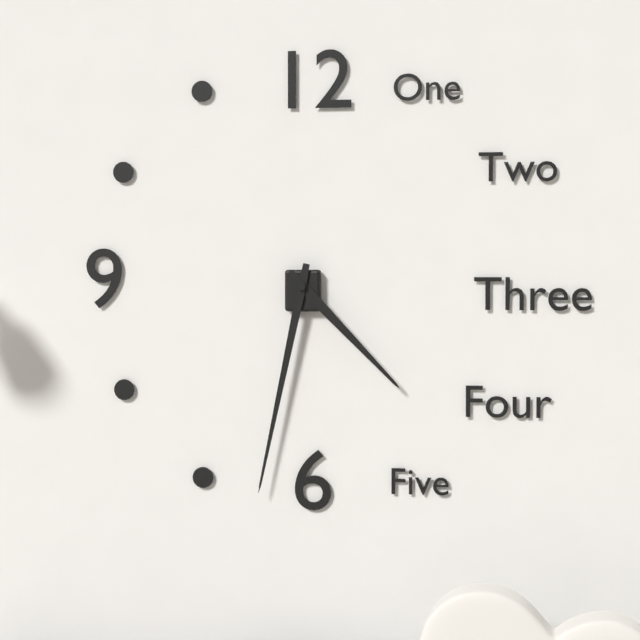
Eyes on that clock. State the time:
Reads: 4:32
